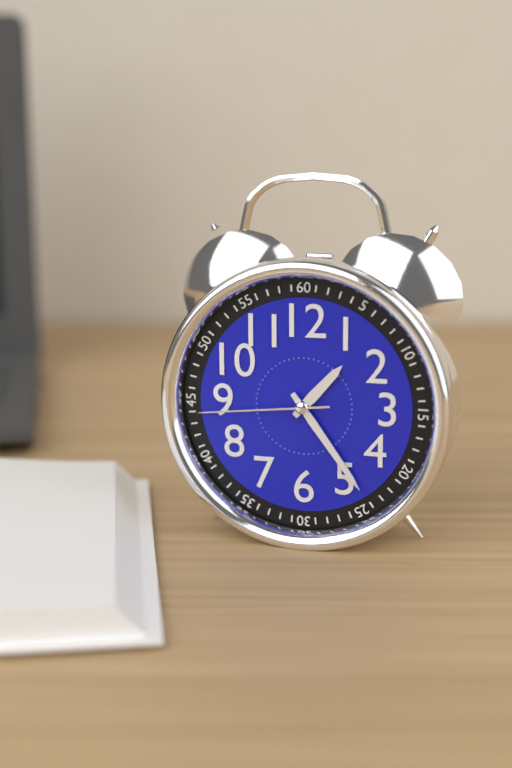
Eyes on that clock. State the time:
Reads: 1:24:44
